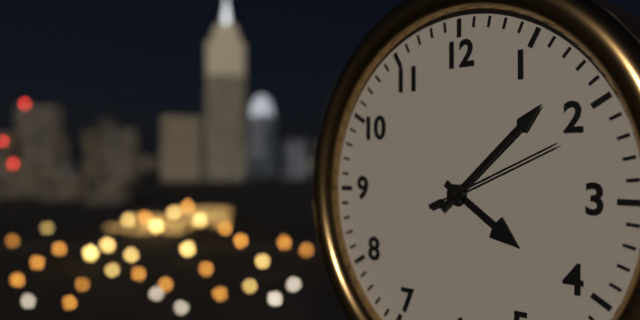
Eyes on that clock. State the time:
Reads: 4:08:11
